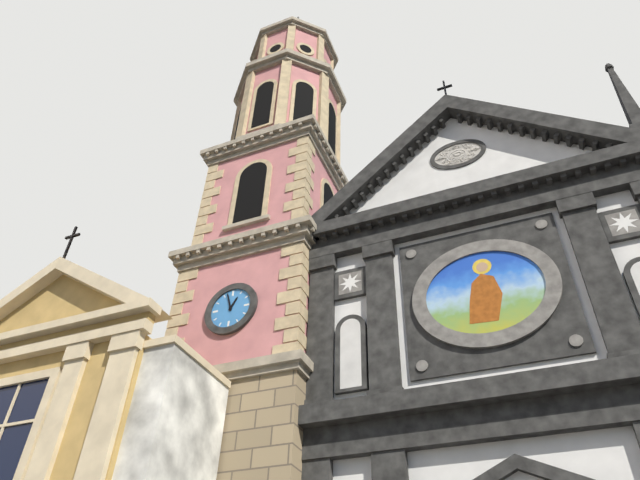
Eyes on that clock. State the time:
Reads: 12:57
